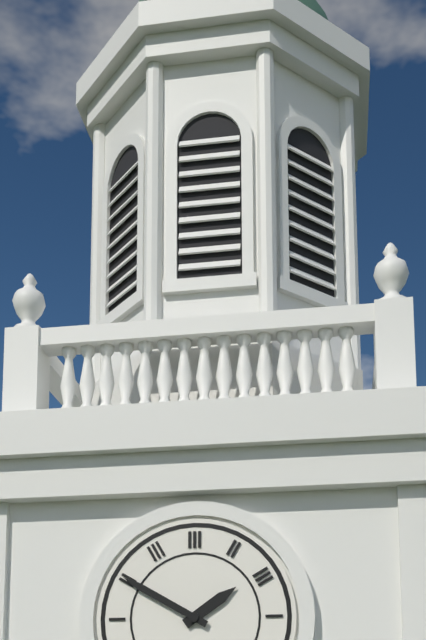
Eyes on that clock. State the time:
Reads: 1:50
